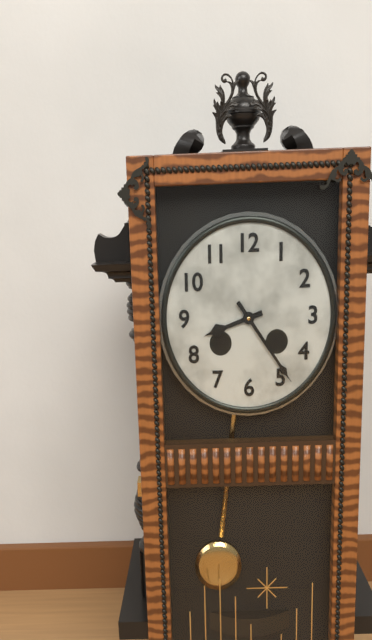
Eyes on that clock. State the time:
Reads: 8:24
